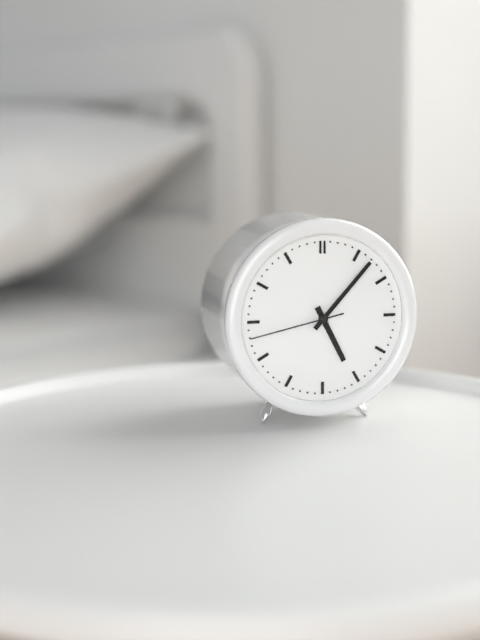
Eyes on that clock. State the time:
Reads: 5:07:43
